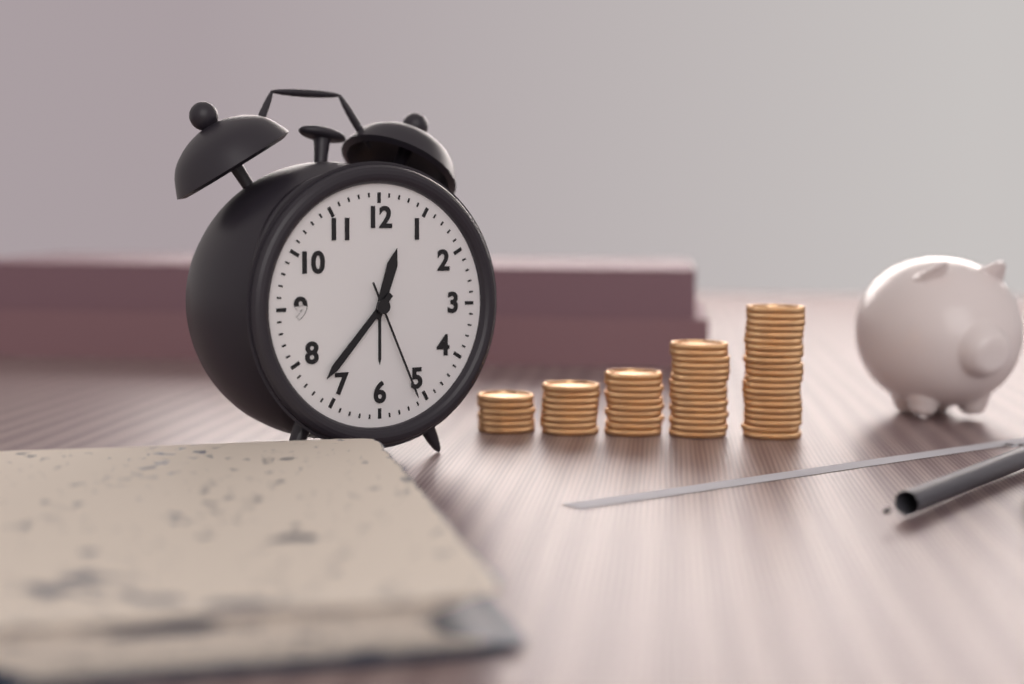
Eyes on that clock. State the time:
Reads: 12:37:26
